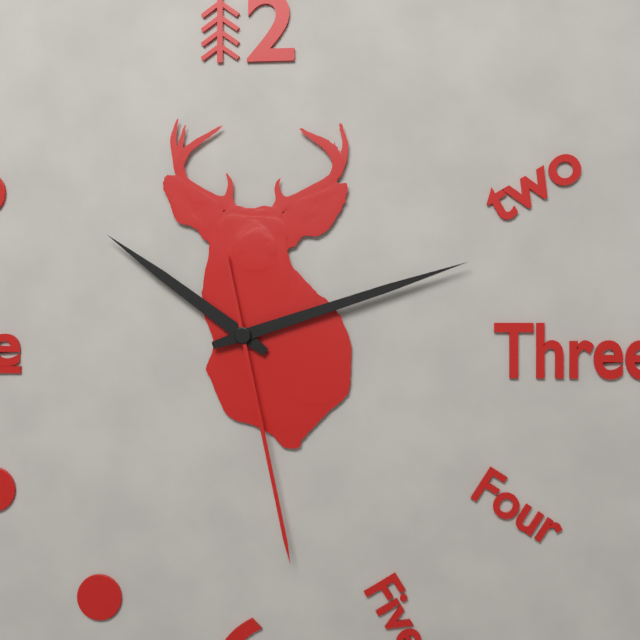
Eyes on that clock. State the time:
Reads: 10:12:28
